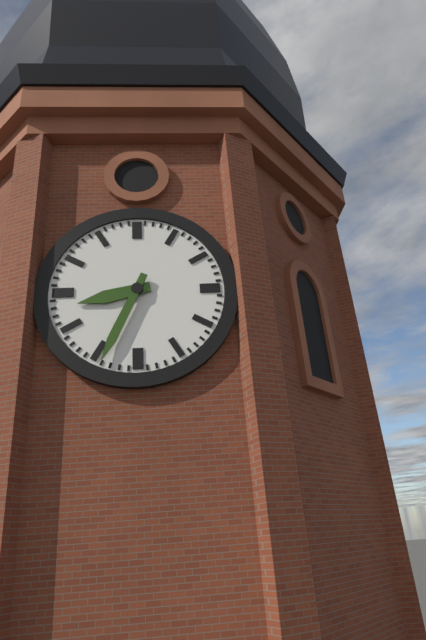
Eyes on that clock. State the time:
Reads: 8:34
